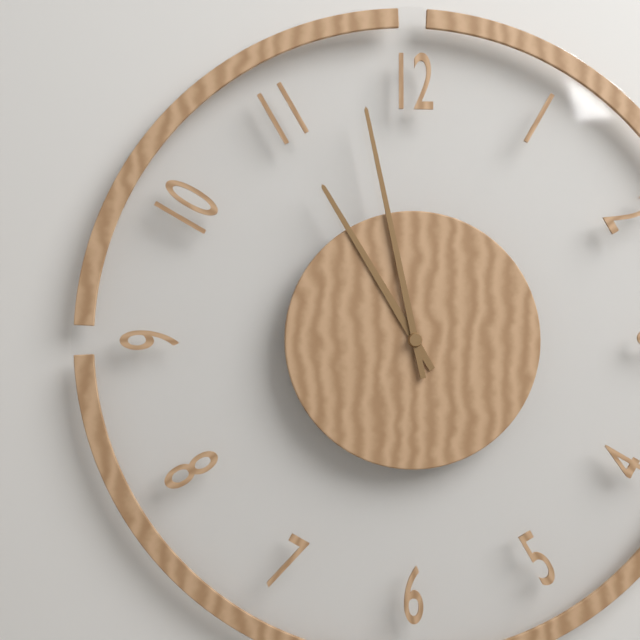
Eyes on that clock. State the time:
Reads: 10:58
